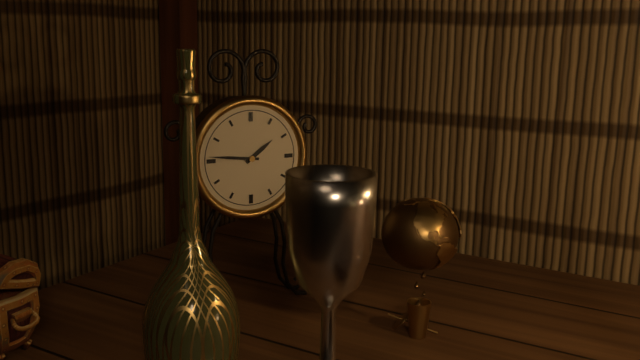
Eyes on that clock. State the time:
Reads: 1:46
